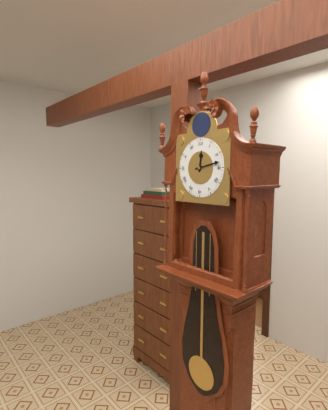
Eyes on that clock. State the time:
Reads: 12:13
